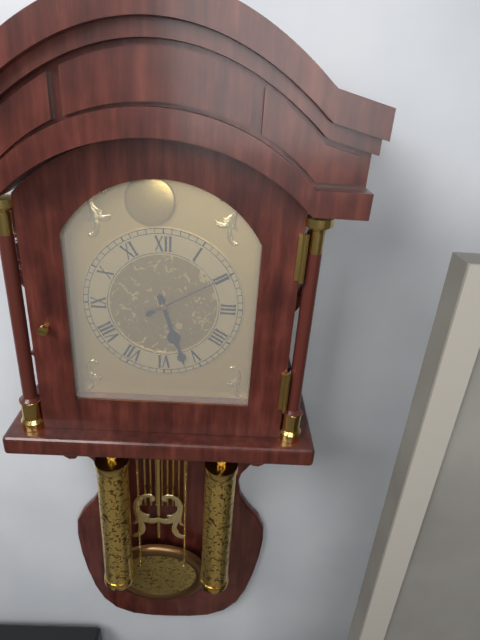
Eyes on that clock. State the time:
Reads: 5:27:10
